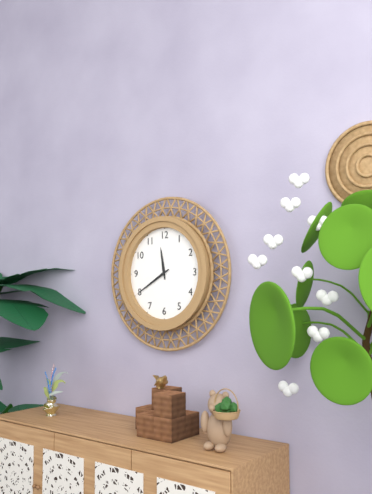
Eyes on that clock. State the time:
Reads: 11:40
